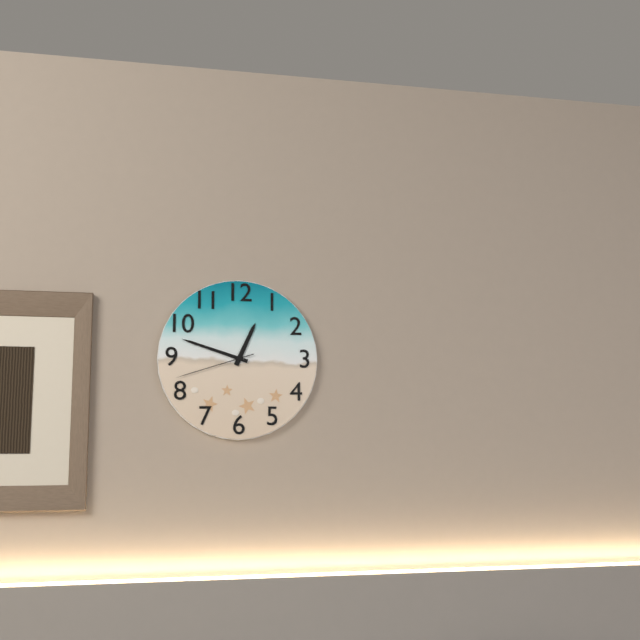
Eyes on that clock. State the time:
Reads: 12:48:42
